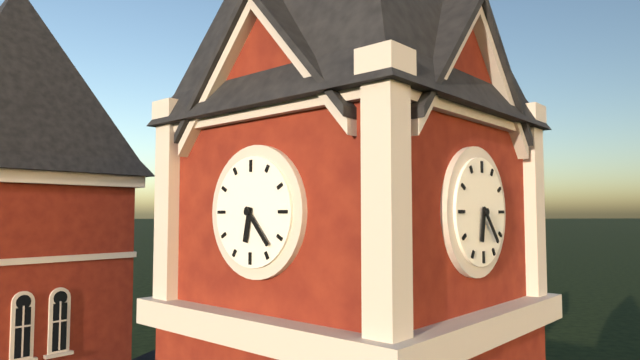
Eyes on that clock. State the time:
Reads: 6:23
